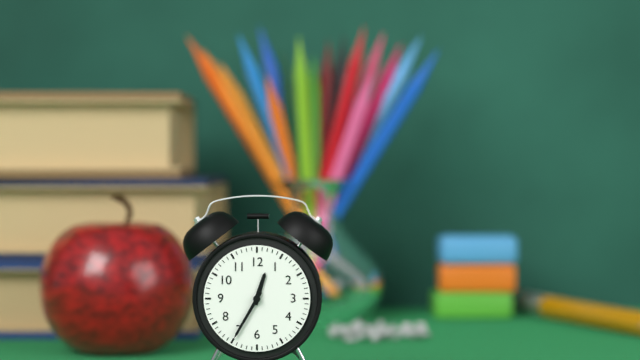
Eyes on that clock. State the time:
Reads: 12:35
